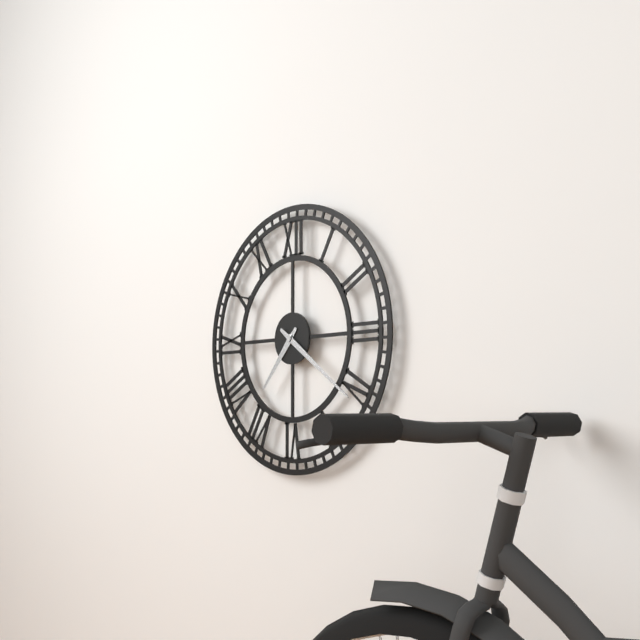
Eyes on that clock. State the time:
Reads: 7:21
